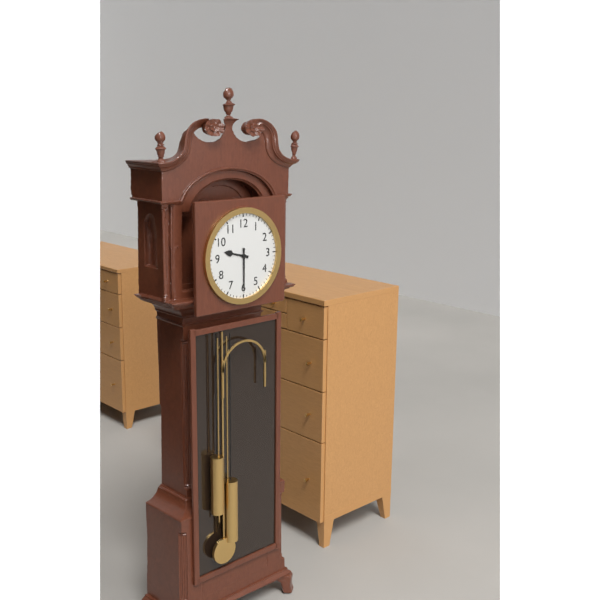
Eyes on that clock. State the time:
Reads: 9:30
